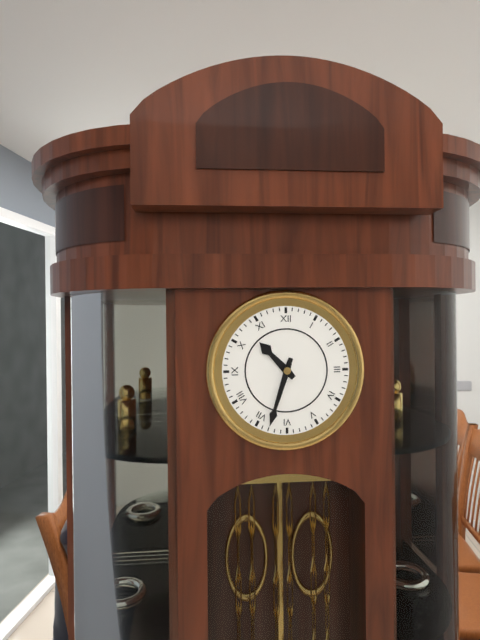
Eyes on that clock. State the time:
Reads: 10:33
